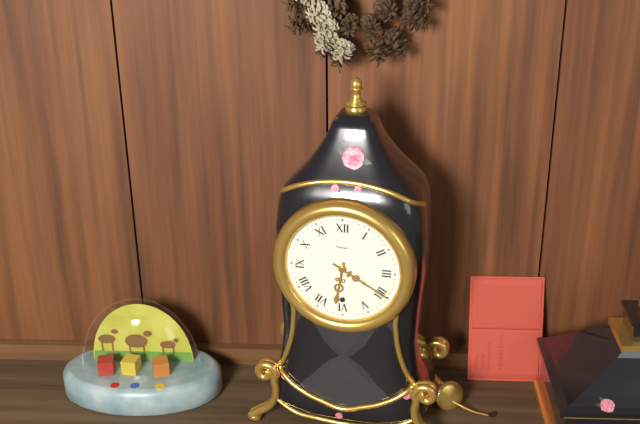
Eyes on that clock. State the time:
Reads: 6:20
